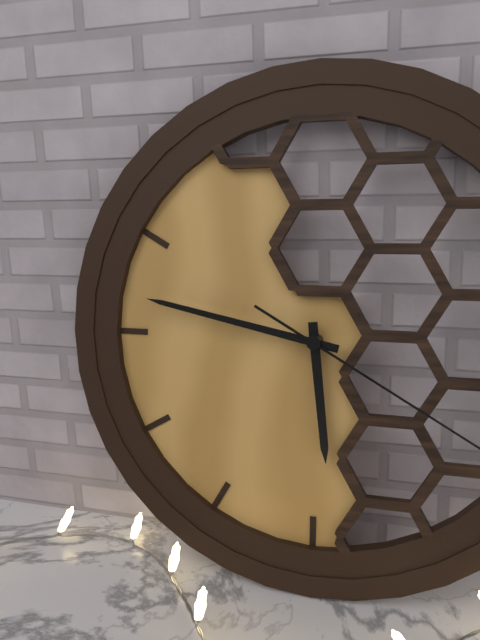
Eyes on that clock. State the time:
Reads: 5:47
